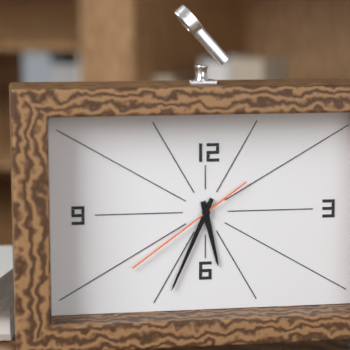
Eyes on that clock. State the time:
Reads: 5:34:39
